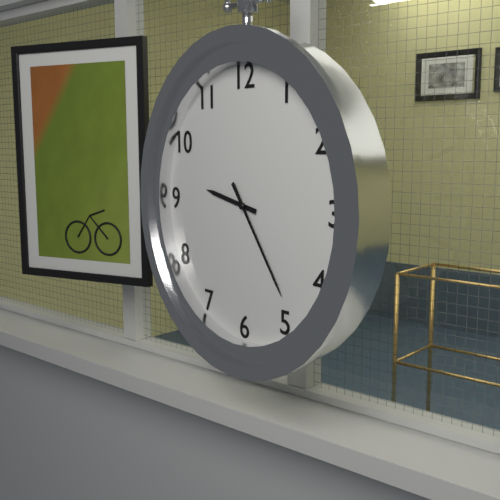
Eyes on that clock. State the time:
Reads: 9:24
